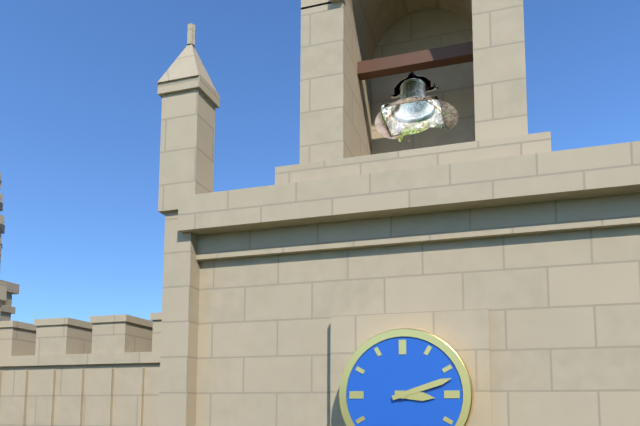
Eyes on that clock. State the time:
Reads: 3:12
